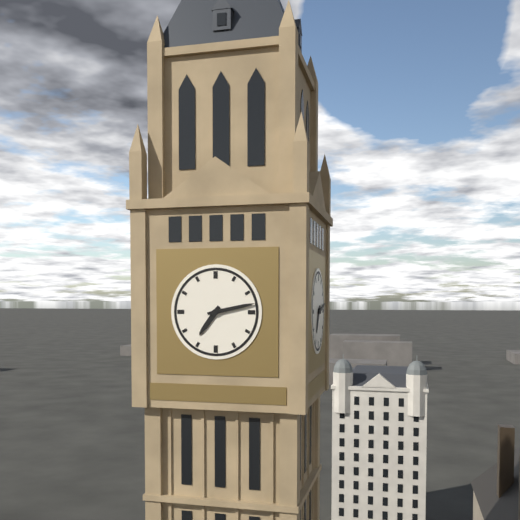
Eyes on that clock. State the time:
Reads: 7:13
